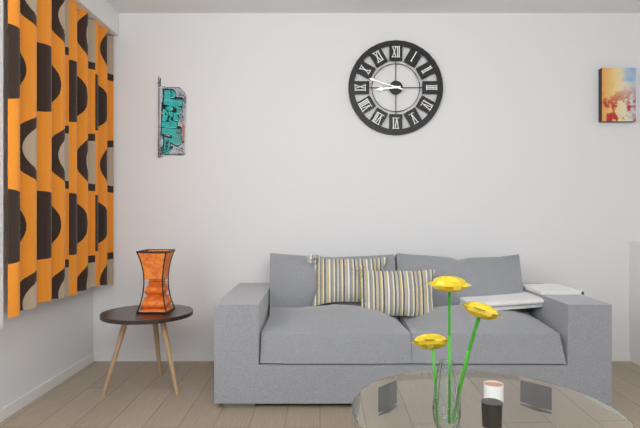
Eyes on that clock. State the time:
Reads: 8:48
